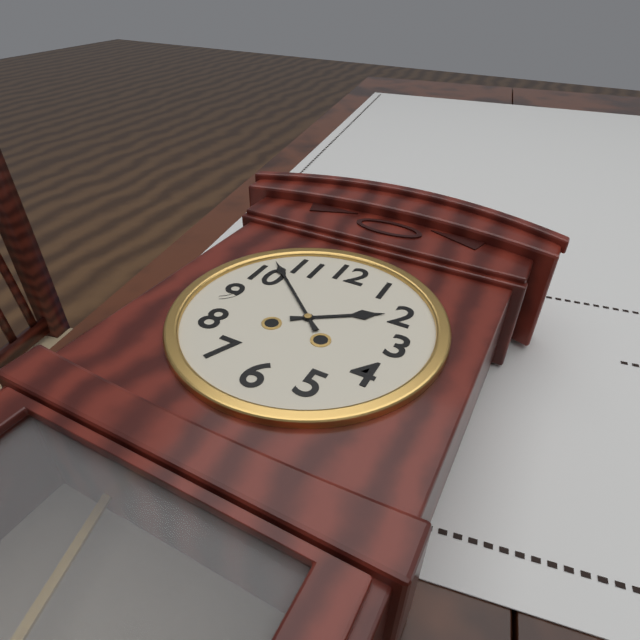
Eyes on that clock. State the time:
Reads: 1:52
